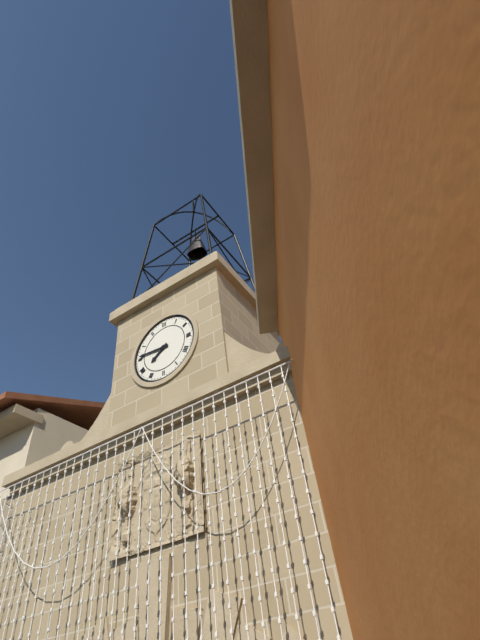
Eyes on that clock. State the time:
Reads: 7:46
